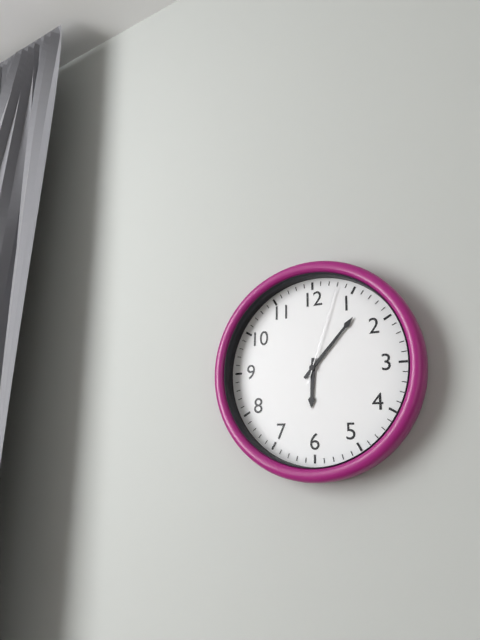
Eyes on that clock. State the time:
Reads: 6:07:03
